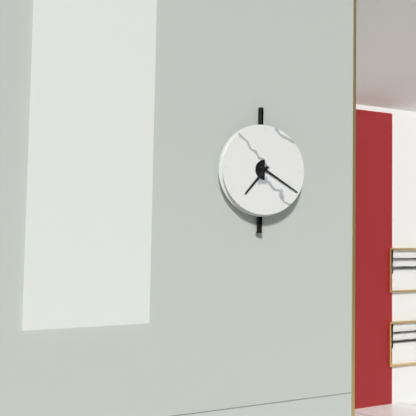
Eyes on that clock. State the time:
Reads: 7:20
